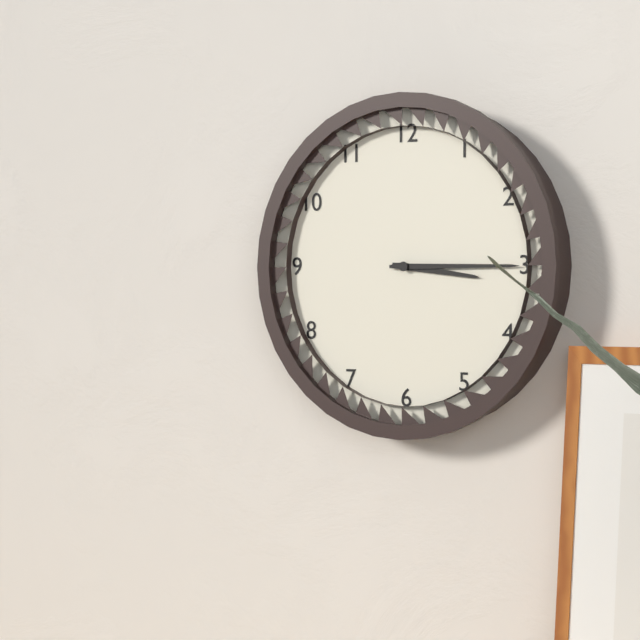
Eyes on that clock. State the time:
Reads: 3:15
